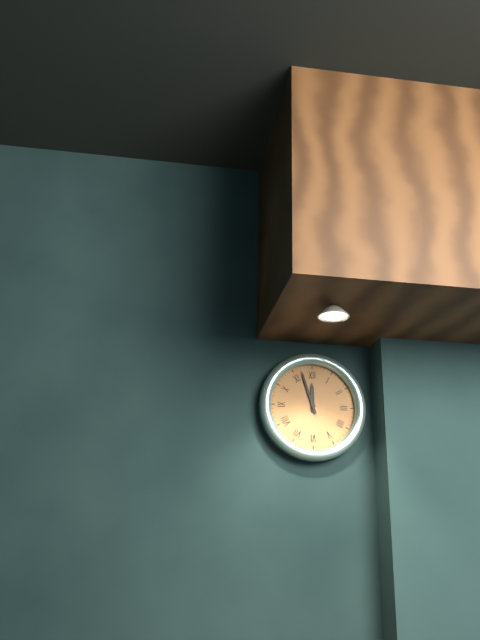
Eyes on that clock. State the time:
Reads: 11:57
